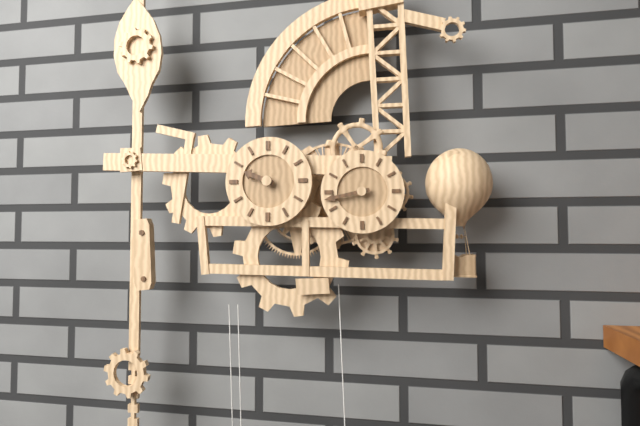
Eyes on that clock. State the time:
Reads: 9:43
